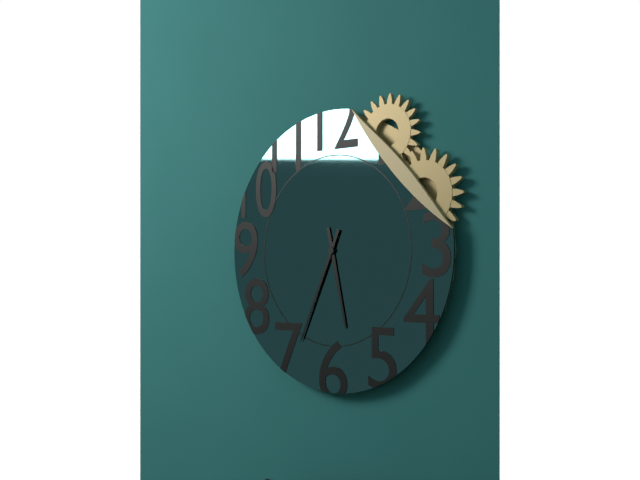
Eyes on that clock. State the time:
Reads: 5:34
